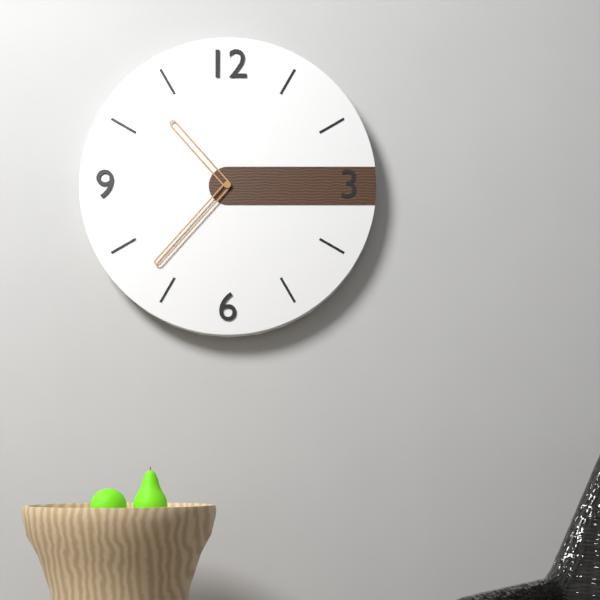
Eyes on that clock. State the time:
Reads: 10:37
